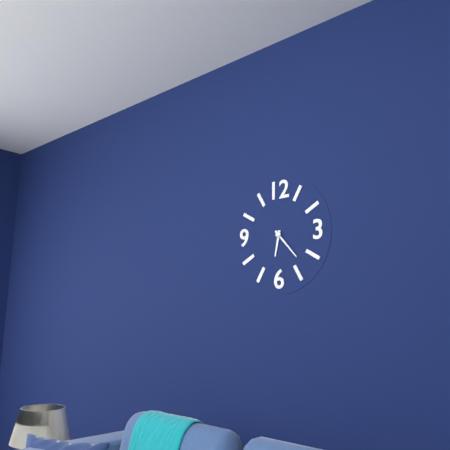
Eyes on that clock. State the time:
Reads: 6:23
